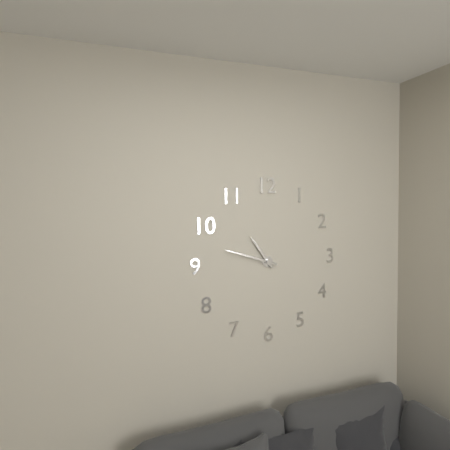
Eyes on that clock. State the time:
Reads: 10:48
